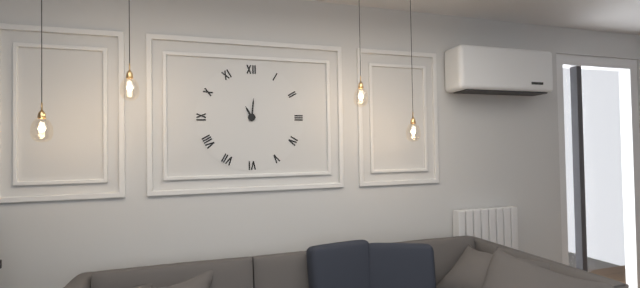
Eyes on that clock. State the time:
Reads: 11:01
